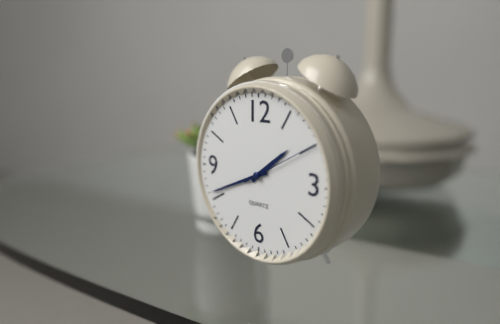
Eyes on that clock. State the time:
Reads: 1:41:10
